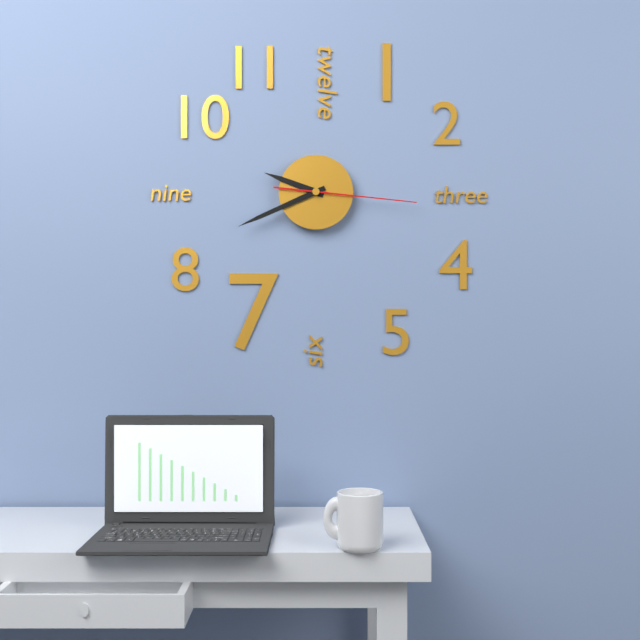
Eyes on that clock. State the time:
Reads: 9:41:16
